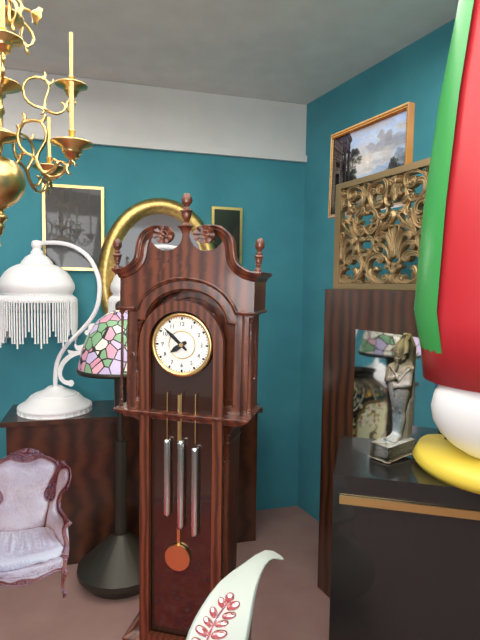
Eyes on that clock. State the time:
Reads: 7:52
